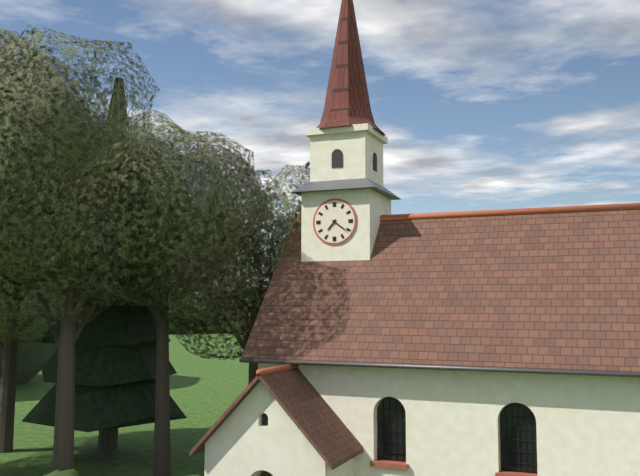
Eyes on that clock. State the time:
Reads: 7:21
